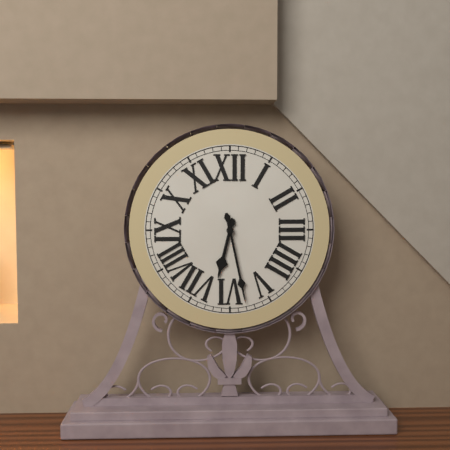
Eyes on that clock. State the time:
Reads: 6:28
